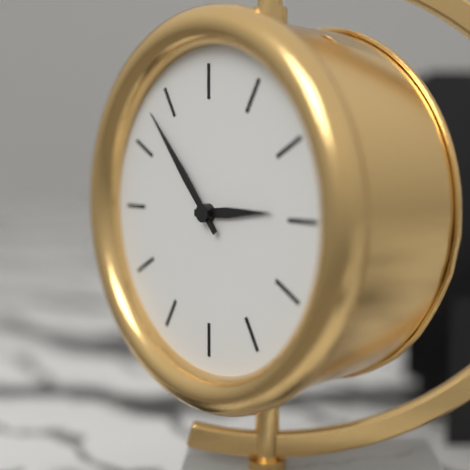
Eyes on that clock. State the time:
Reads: 2:53
